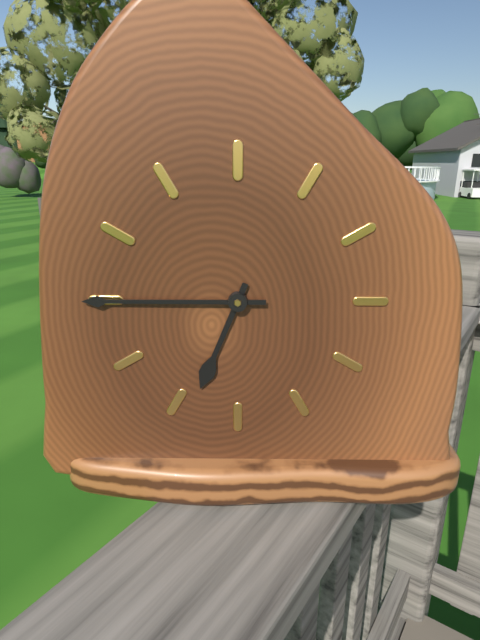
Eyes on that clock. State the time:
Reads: 6:45
